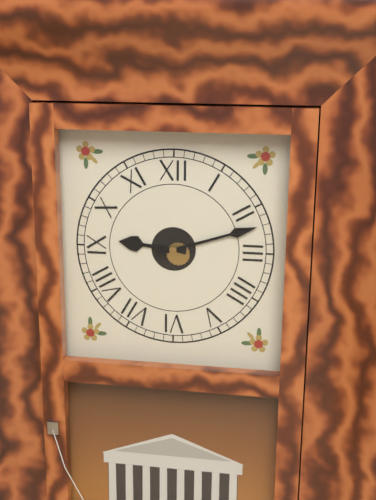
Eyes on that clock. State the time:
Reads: 9:12
